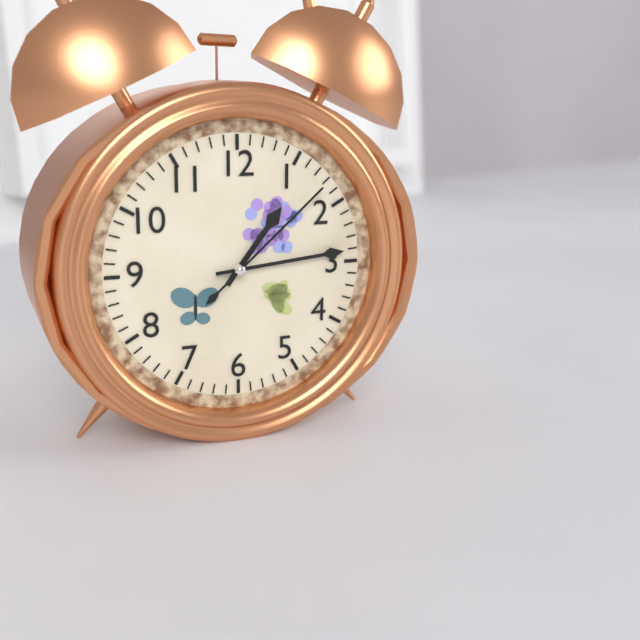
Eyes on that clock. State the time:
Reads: 1:14:08
